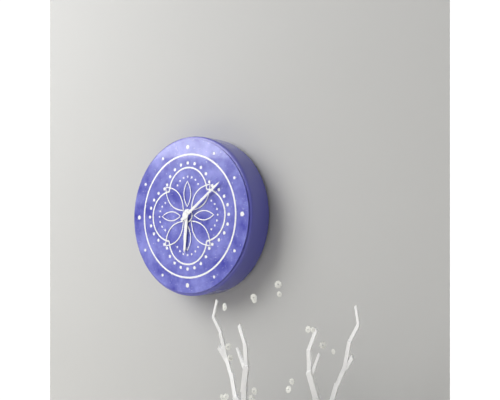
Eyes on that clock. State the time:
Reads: 6:09
